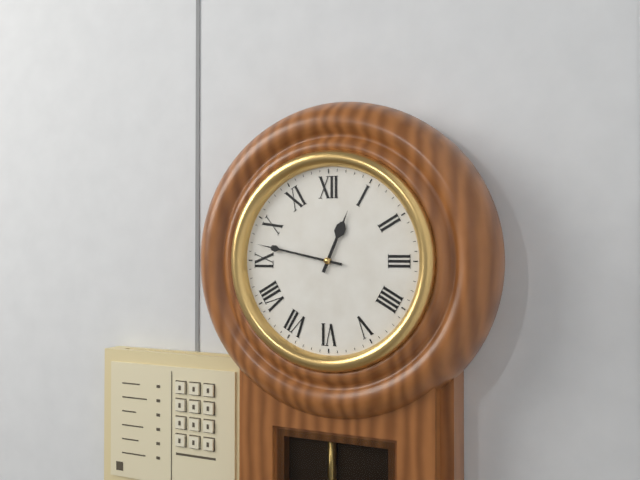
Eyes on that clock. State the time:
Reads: 12:47
